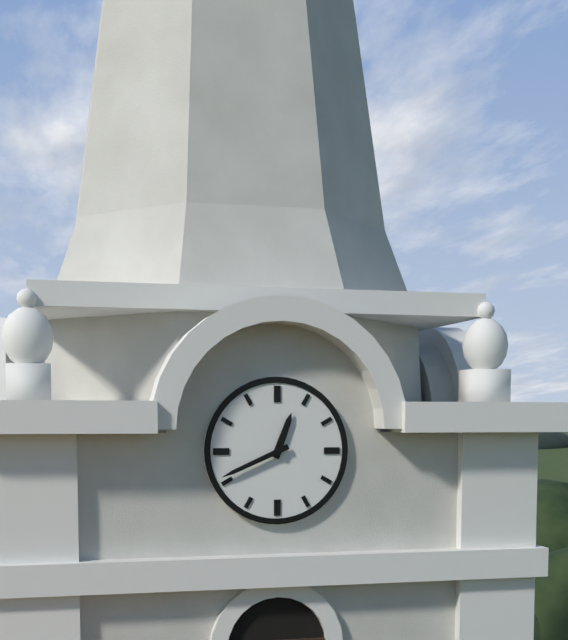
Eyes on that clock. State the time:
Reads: 12:41
